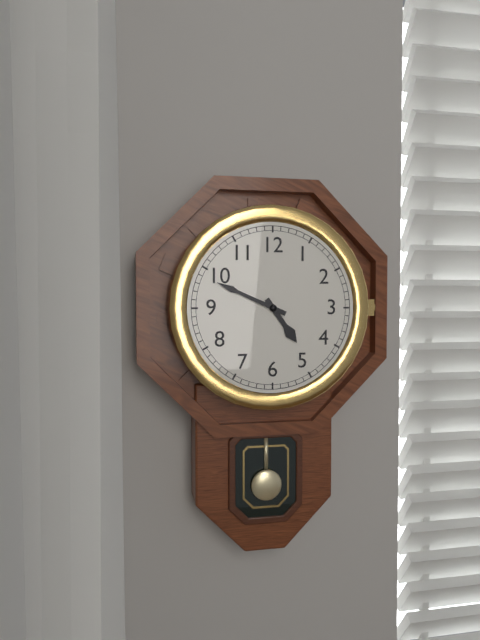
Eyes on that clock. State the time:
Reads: 4:49
